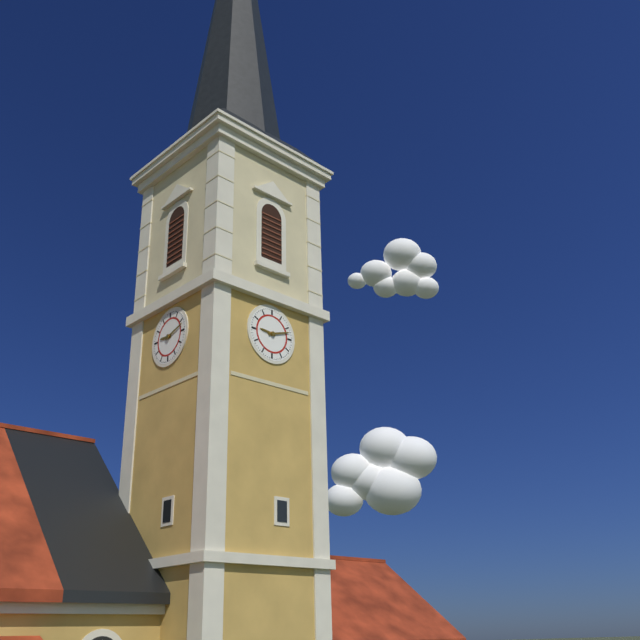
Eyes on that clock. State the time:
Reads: 9:12
